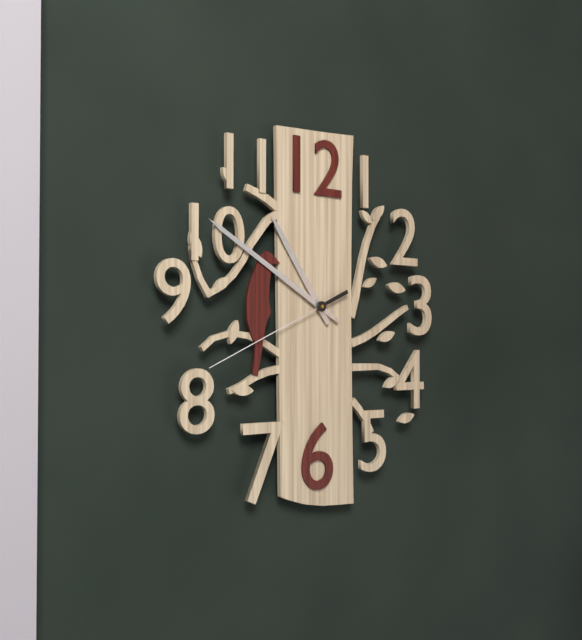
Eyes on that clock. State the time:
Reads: 10:50:41
